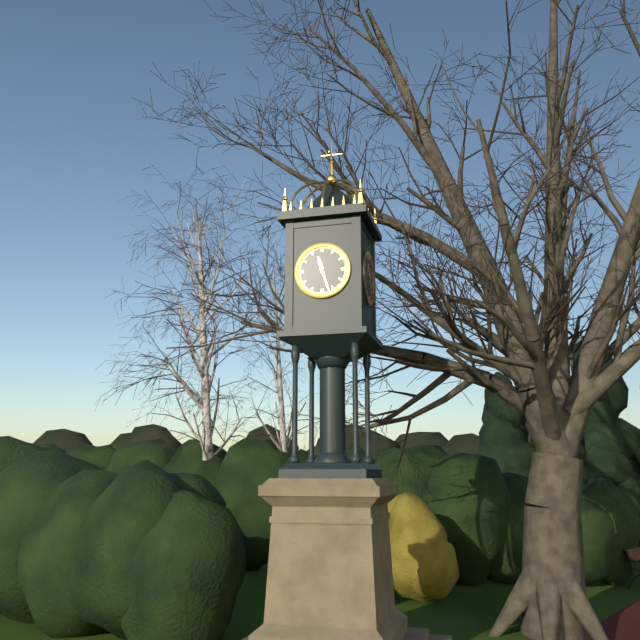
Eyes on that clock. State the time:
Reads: 11:27
